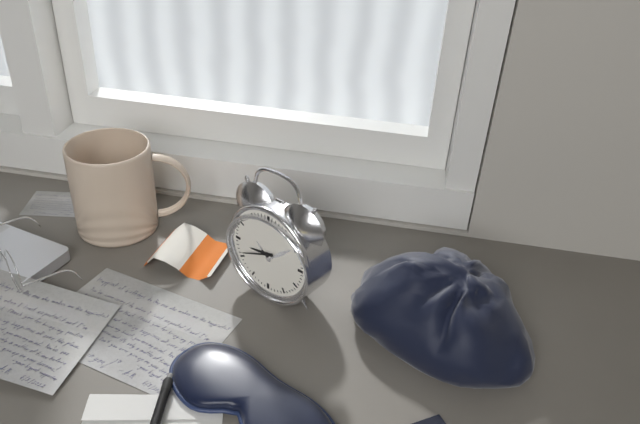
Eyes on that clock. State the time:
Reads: 8:41
